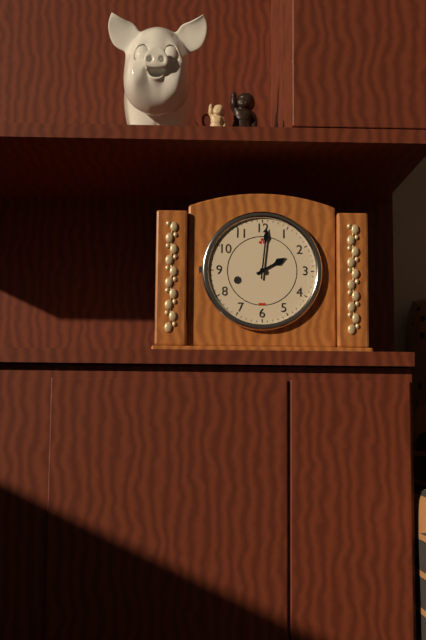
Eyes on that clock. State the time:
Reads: 2:01
